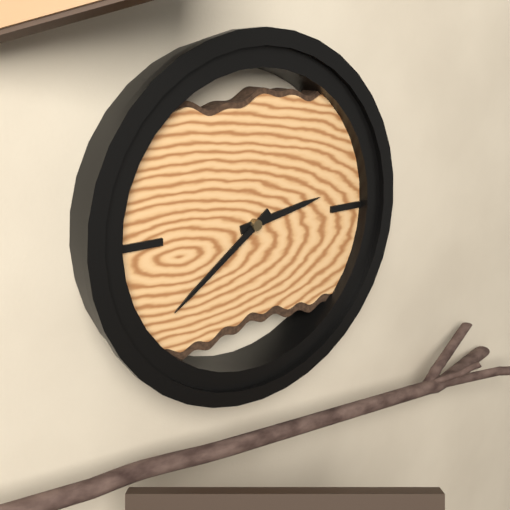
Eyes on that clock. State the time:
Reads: 2:39
